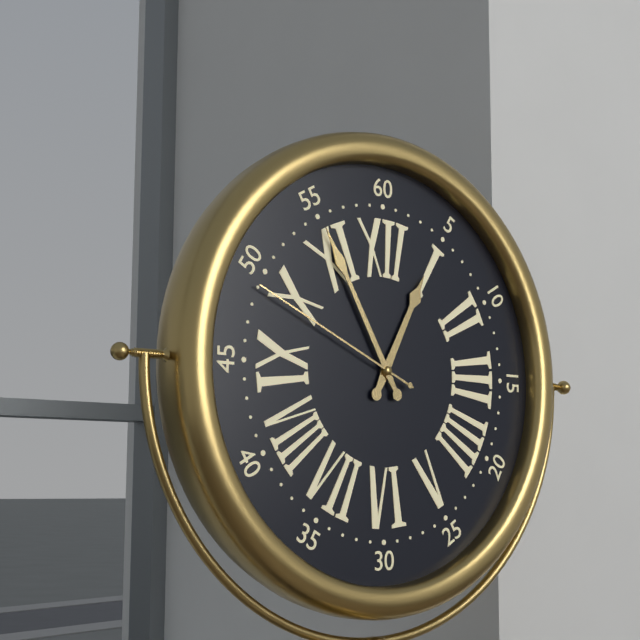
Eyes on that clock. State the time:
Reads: 12:55:49
